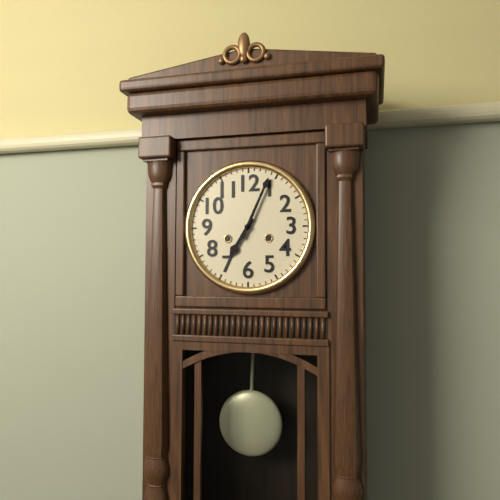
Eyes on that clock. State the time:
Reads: 7:04
